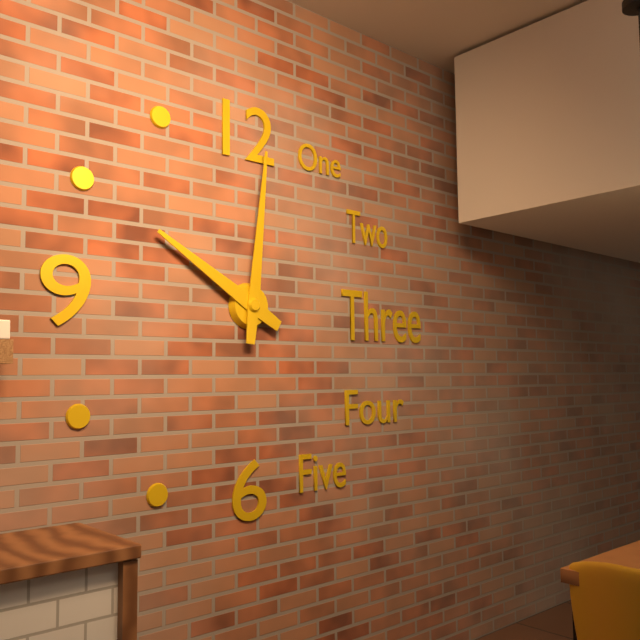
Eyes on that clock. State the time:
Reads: 10:01
